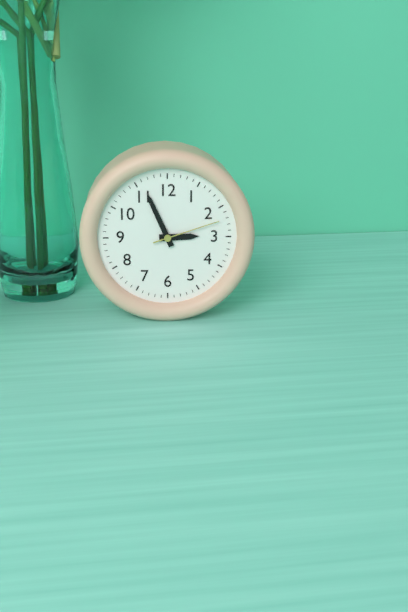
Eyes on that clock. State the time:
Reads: 2:56:12
